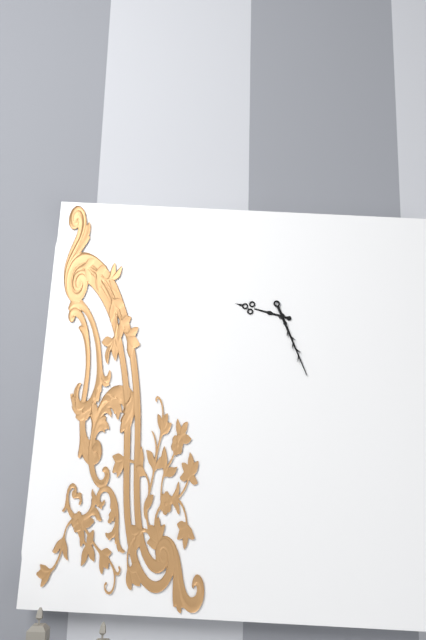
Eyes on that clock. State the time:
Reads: 9:26
